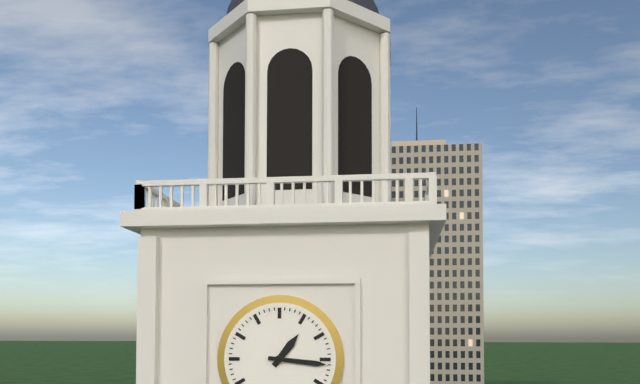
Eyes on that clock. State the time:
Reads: 1:16
